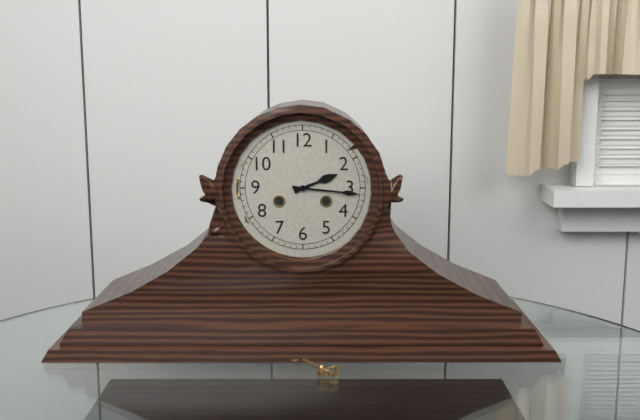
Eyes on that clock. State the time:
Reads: 2:16
